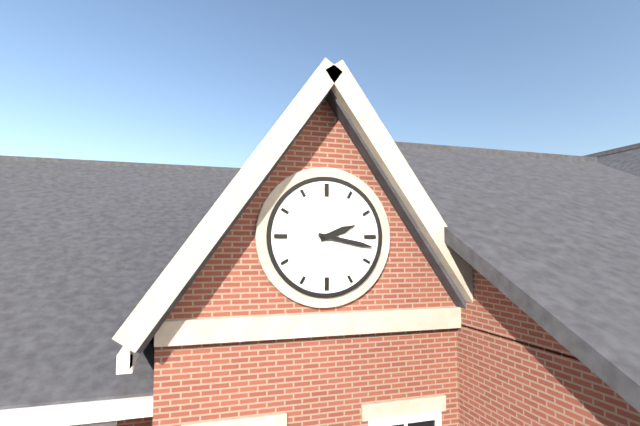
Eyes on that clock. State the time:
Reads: 2:17
